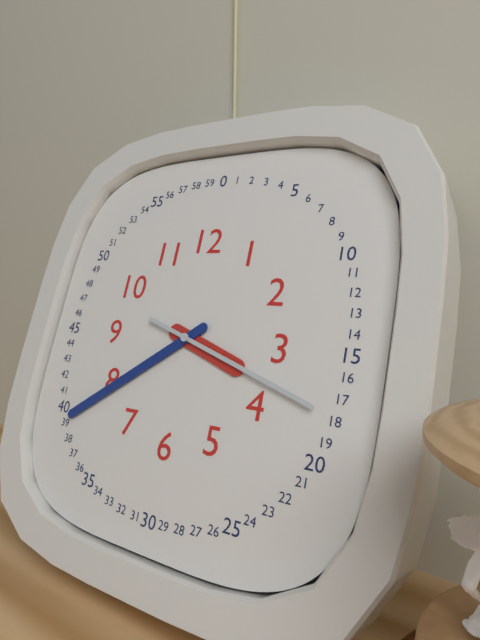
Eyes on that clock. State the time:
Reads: 3:39:18
